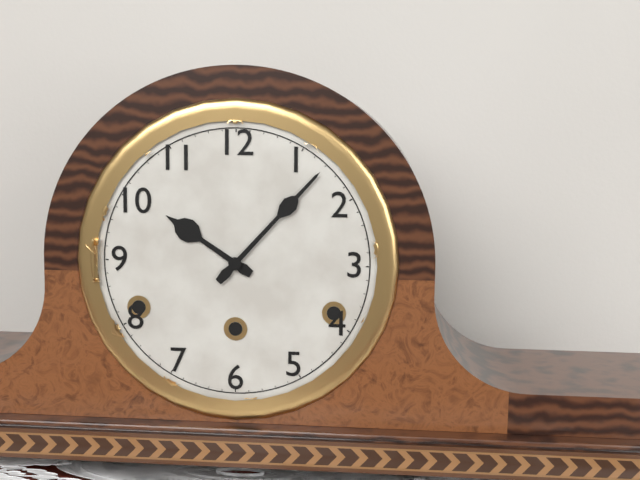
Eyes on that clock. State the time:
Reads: 10:07
